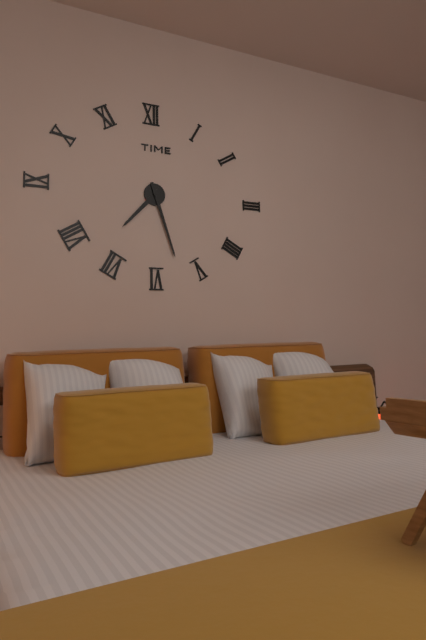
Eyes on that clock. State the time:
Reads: 7:27
